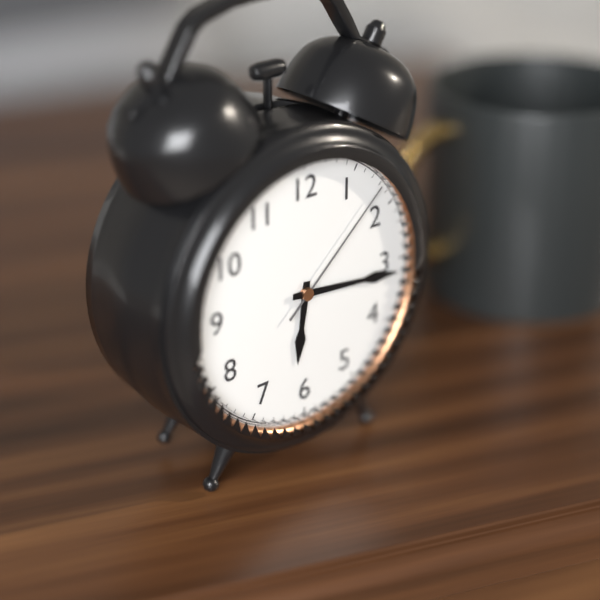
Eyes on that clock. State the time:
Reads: 6:16:08
